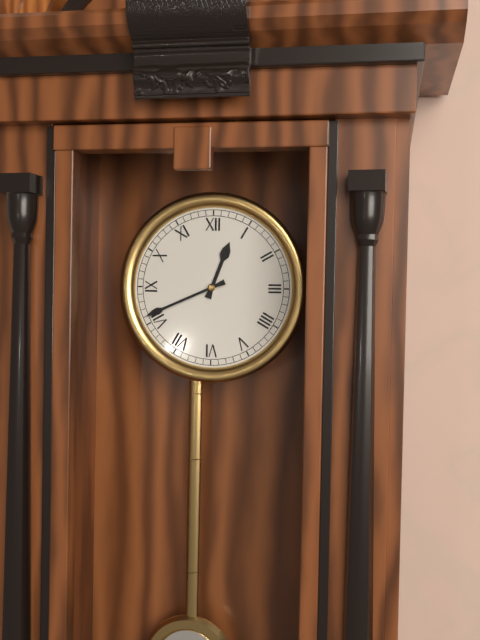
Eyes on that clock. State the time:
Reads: 12:41
